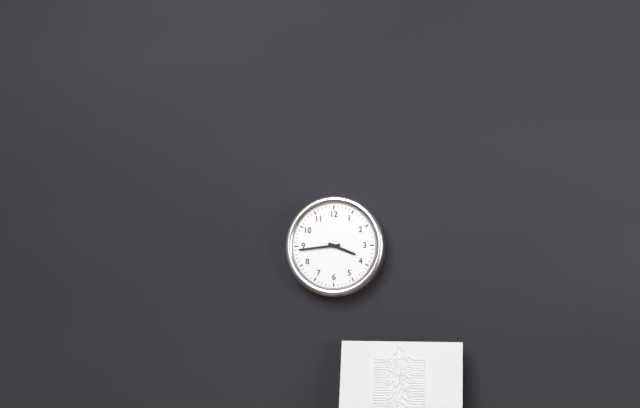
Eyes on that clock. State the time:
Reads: 3:44
